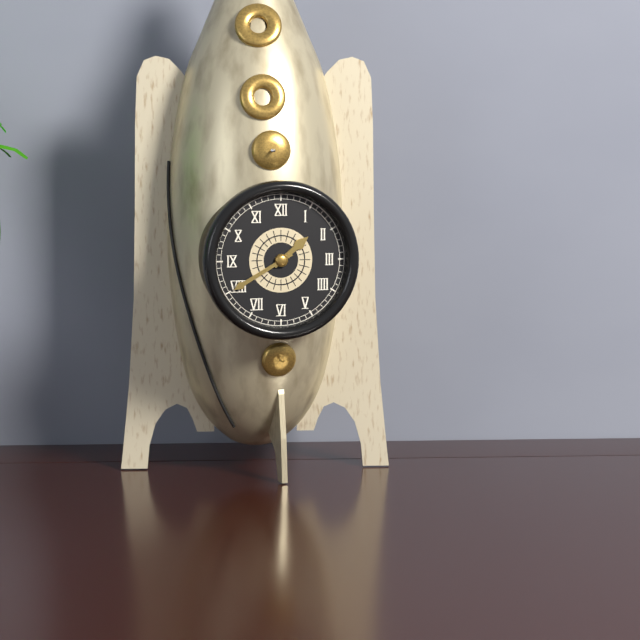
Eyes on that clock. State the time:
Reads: 1:40
